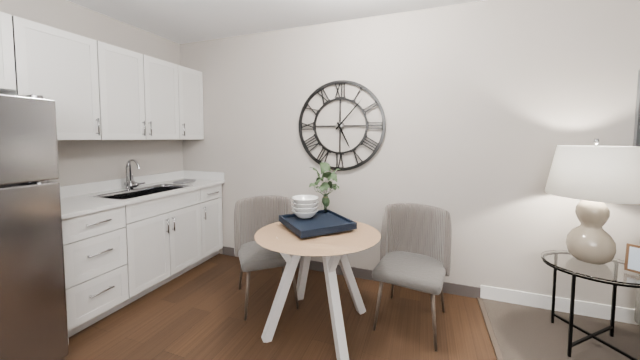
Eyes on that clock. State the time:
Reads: 5:07
